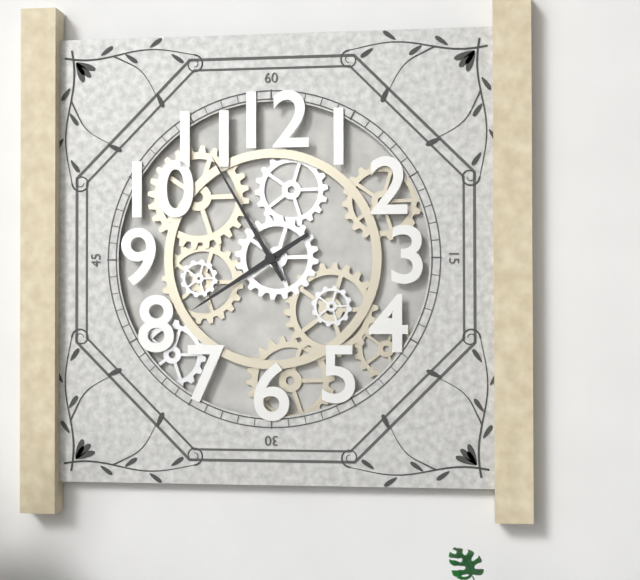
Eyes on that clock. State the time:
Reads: 7:55
